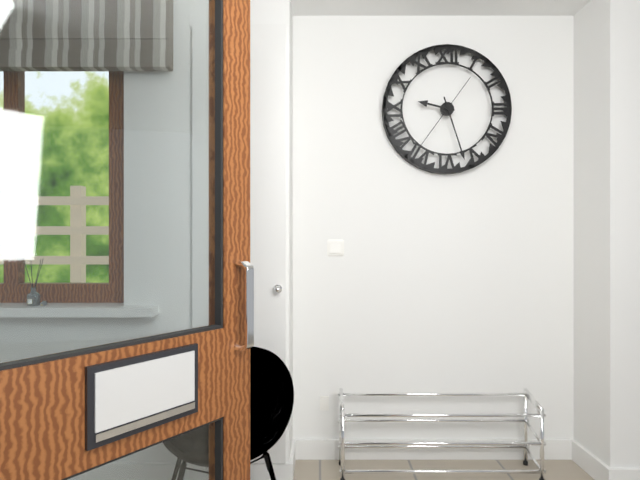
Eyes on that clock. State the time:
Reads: 9:27:36
